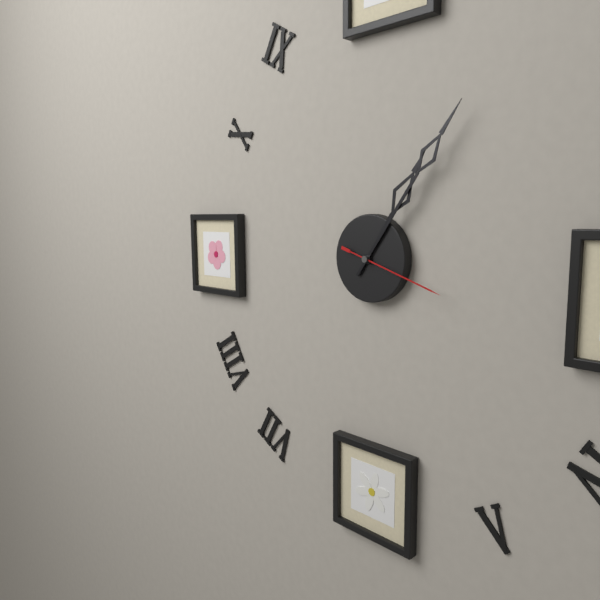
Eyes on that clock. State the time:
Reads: 1:06:18
